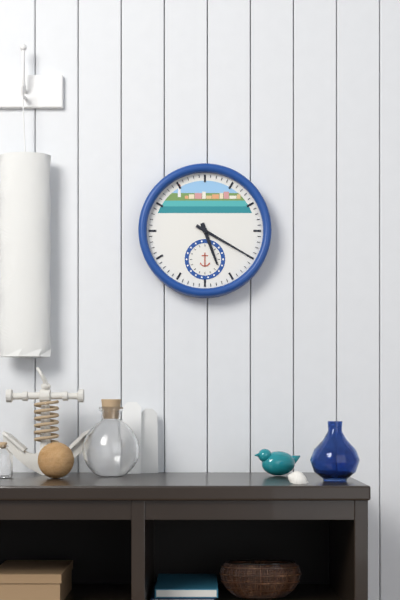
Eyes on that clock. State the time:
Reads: 5:20
